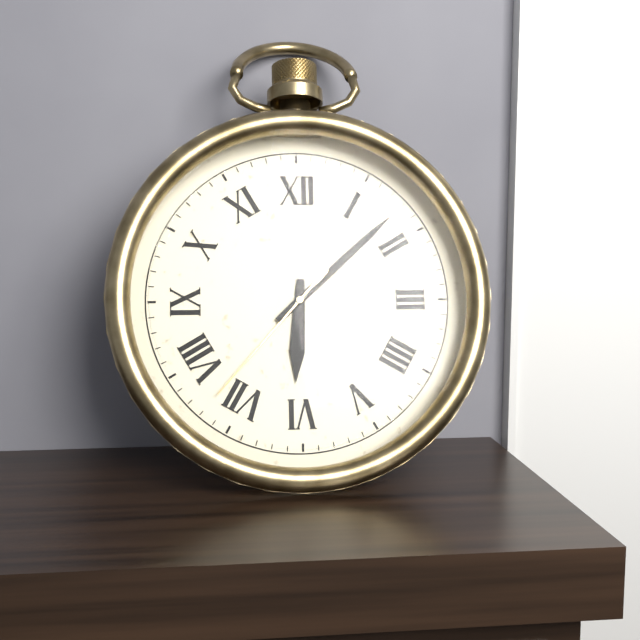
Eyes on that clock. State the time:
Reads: 6:08:37
